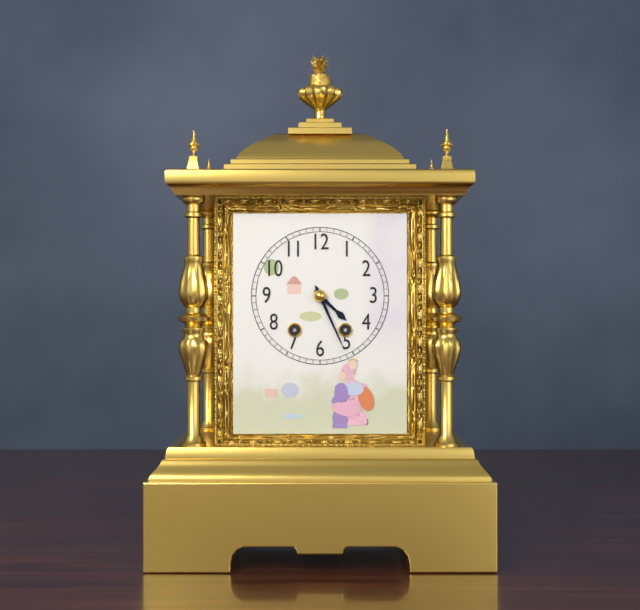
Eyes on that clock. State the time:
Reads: 4:26
